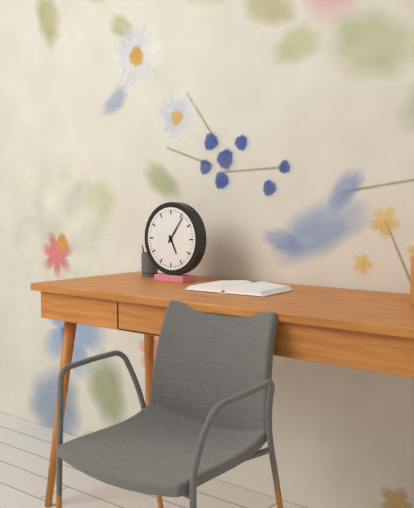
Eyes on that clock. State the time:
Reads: 5:06
